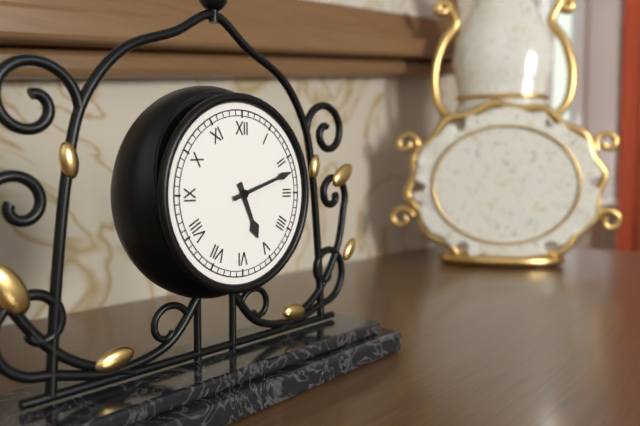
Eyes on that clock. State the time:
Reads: 5:12
